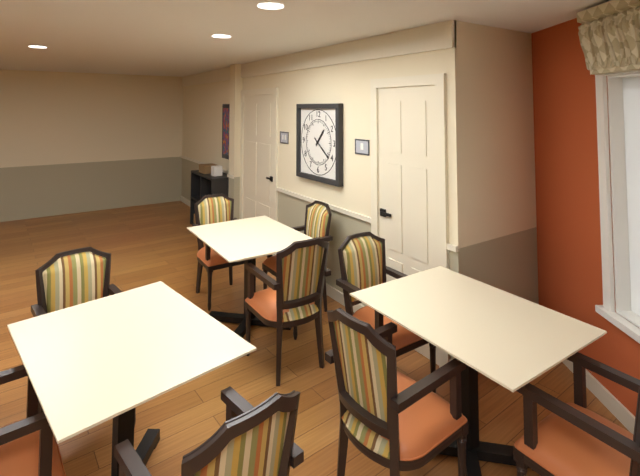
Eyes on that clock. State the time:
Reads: 1:21
